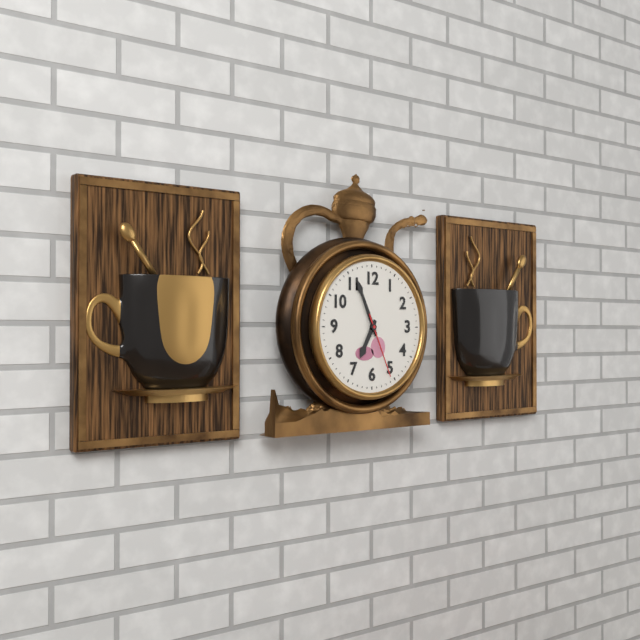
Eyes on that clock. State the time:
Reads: 6:56:26
